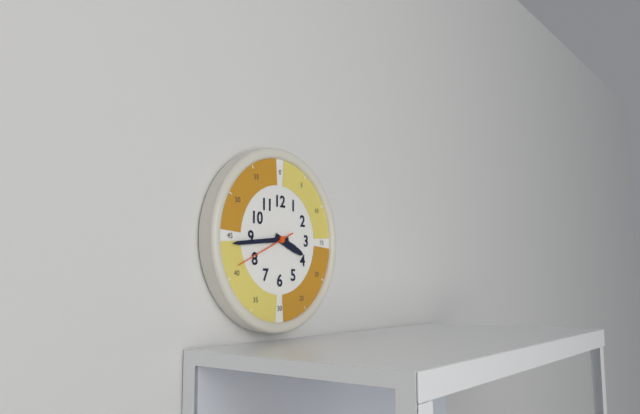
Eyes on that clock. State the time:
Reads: 3:44:41
